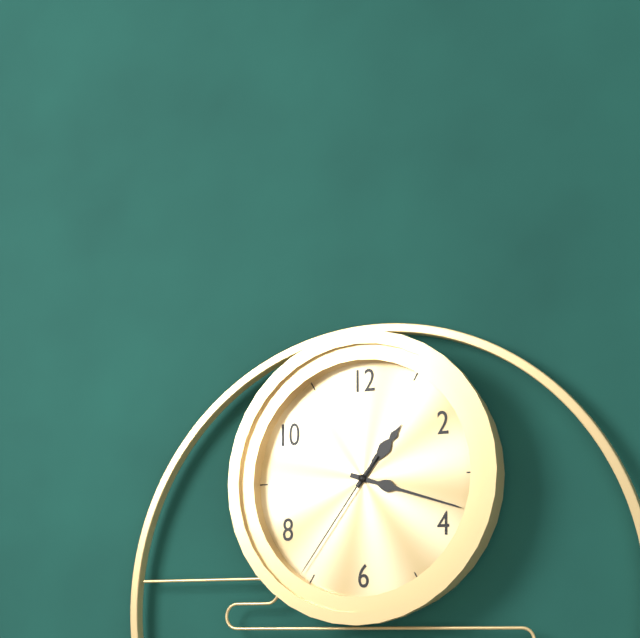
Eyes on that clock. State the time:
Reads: 1:18:36
